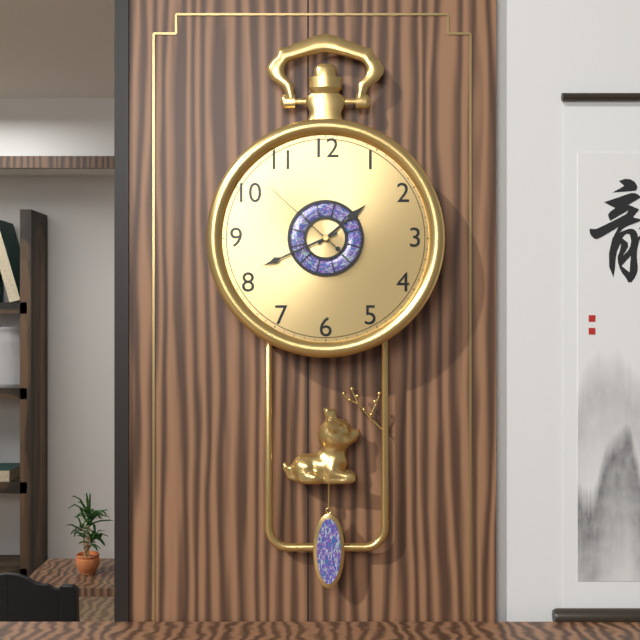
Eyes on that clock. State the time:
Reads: 1:41:52
